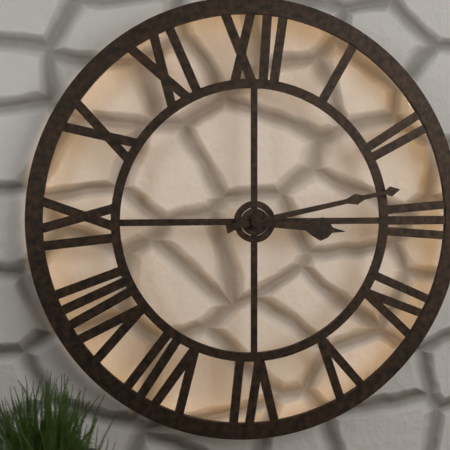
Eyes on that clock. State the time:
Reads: 3:13
